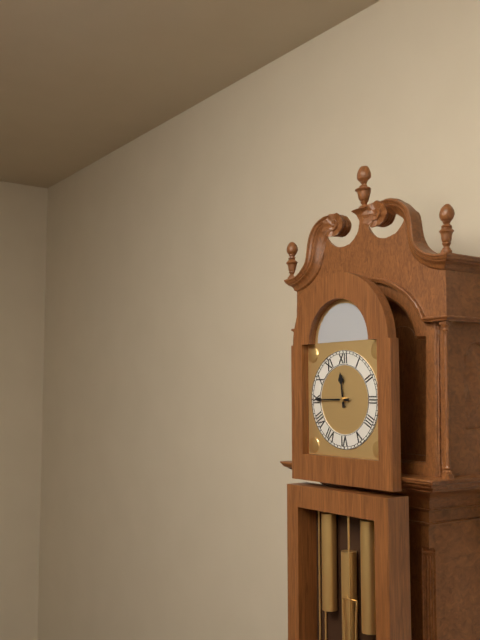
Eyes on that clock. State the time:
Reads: 11:45
